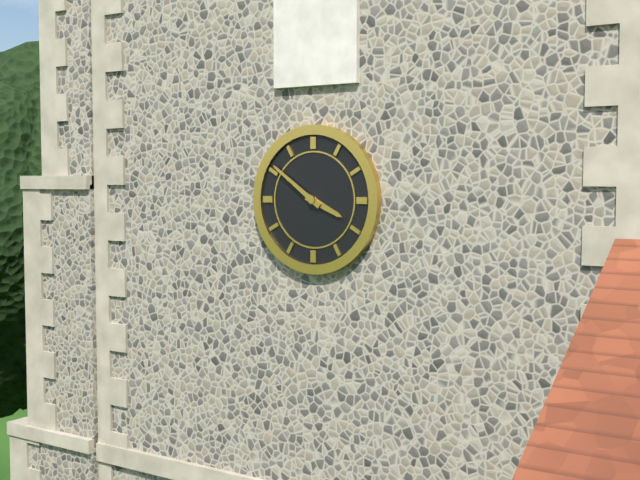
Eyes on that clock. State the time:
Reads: 3:51
